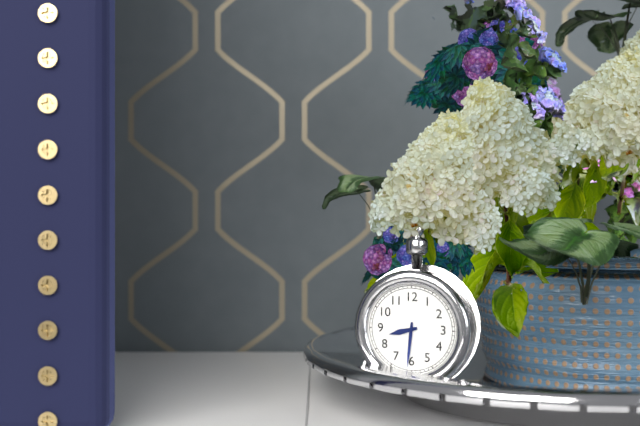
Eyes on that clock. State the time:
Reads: 8:31
